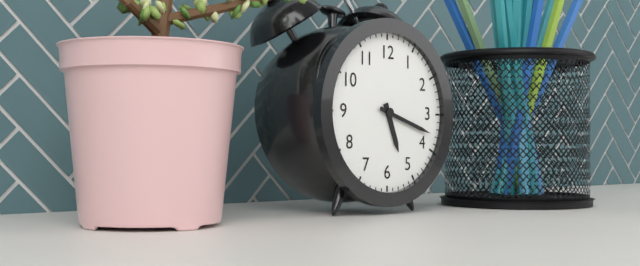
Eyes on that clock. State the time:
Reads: 5:18
